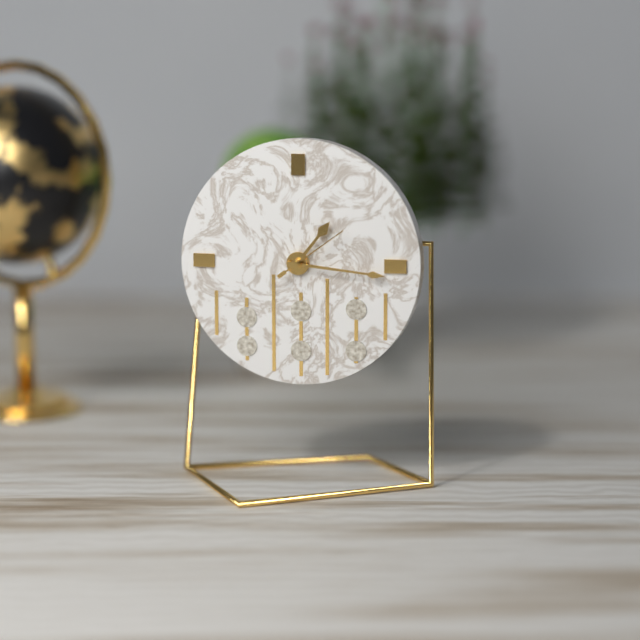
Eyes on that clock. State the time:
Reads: 1:16:09
